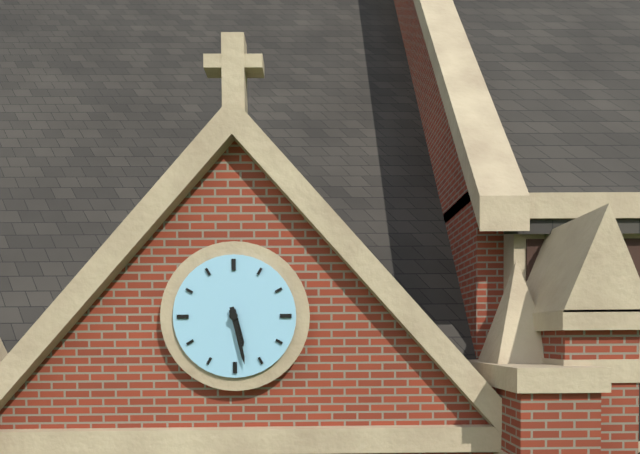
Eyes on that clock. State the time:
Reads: 5:28
